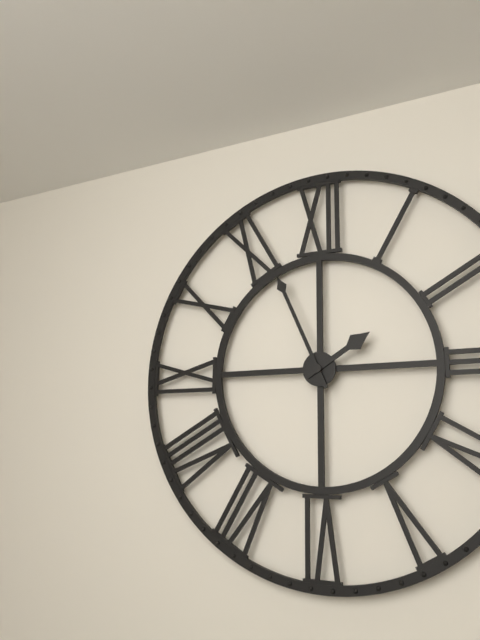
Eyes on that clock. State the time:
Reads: 1:56
